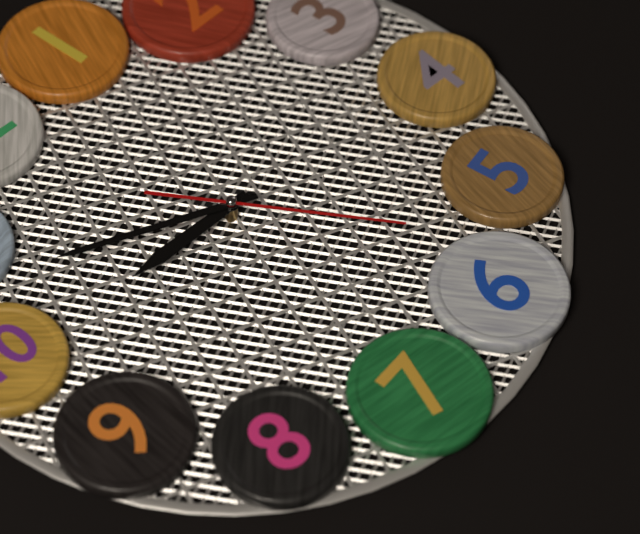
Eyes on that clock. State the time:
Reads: 9:53:28
